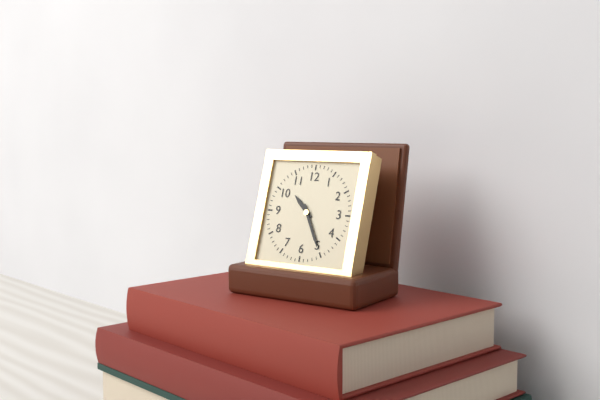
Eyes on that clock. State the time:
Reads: 10:25
